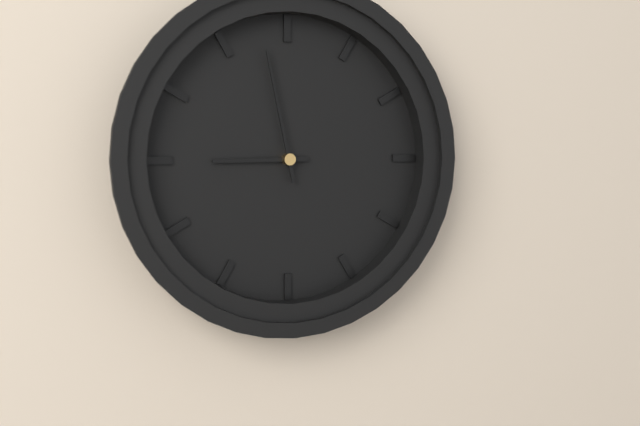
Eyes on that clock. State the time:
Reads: 8:58
